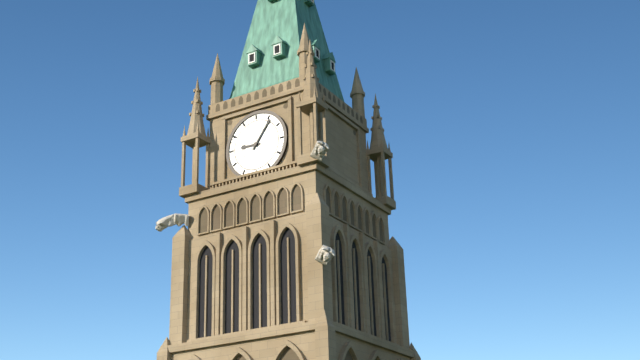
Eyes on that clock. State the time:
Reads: 9:06
